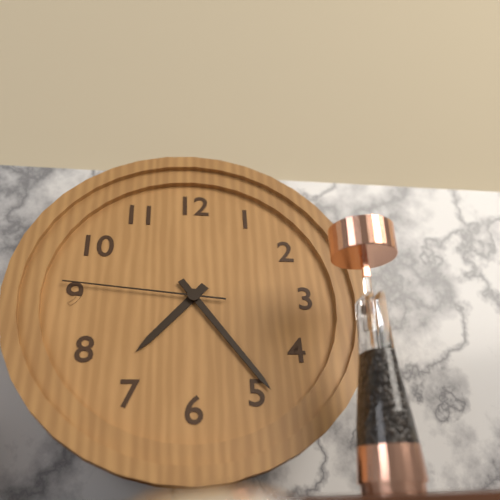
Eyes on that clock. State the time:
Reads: 7:24:46
